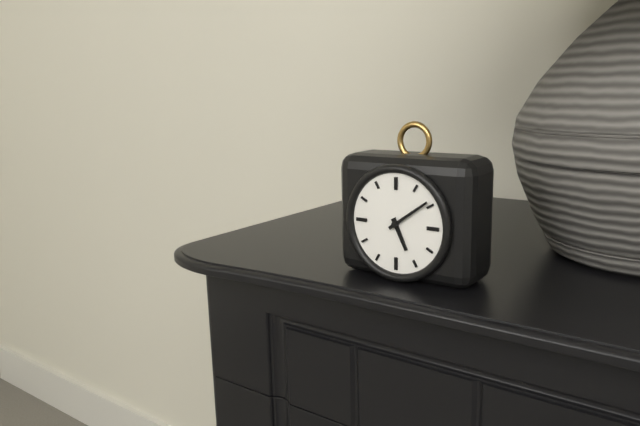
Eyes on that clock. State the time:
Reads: 5:09
